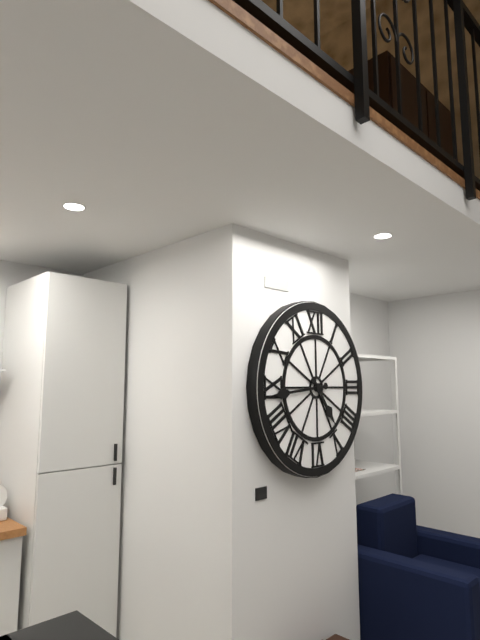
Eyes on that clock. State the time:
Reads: 4:44
